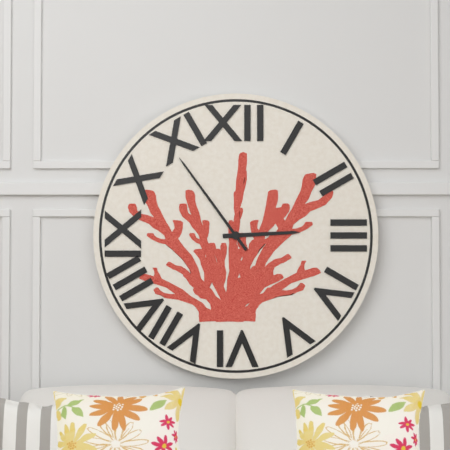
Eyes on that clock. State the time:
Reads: 2:54
